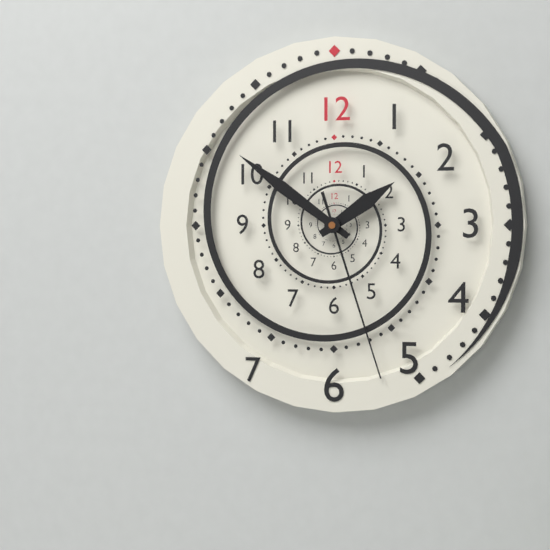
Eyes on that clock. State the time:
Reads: 1:51:27
